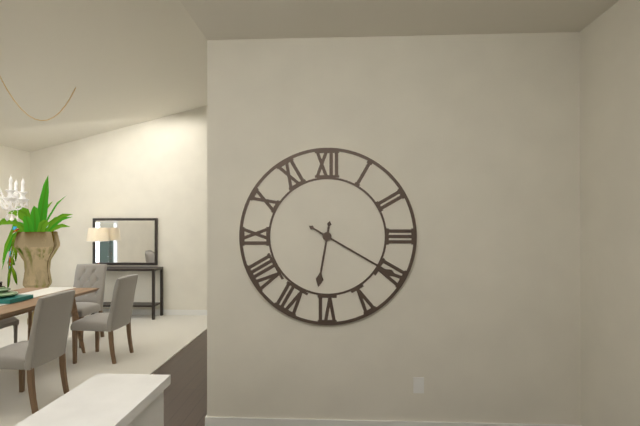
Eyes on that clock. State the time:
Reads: 6:20
